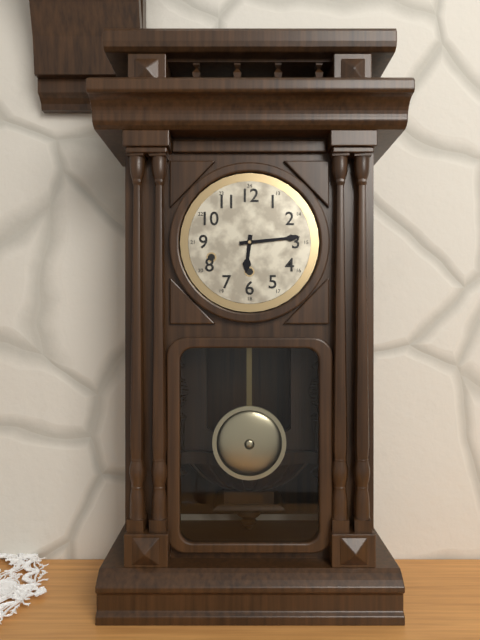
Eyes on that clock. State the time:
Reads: 6:14
